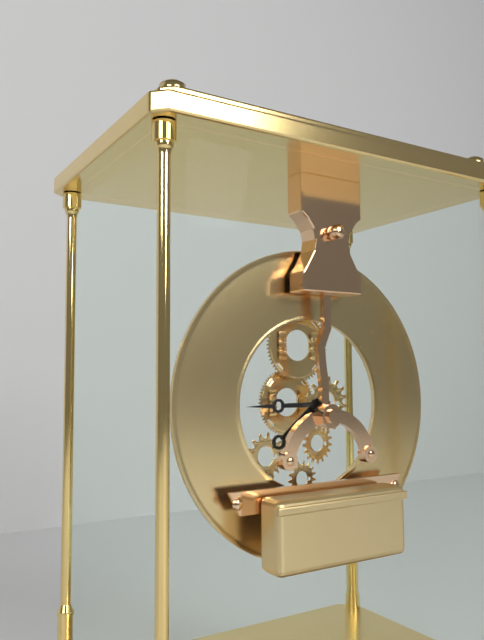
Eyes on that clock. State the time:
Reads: 7:45
